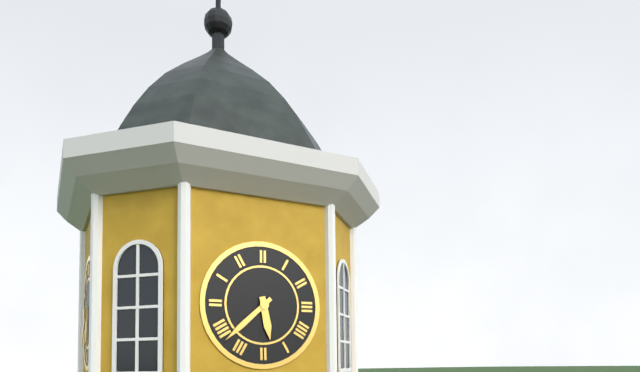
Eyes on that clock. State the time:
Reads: 5:38
